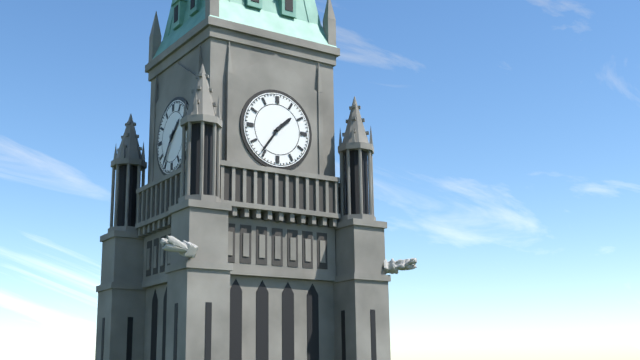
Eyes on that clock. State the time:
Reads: 1:36
